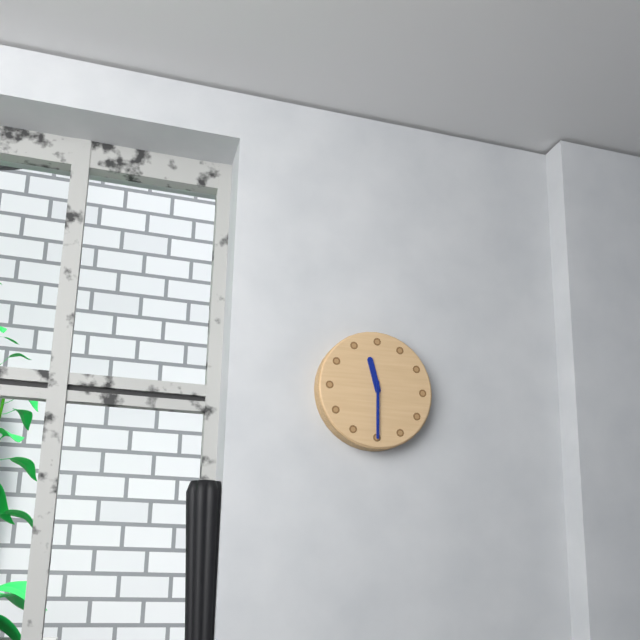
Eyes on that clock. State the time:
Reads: 11:30
